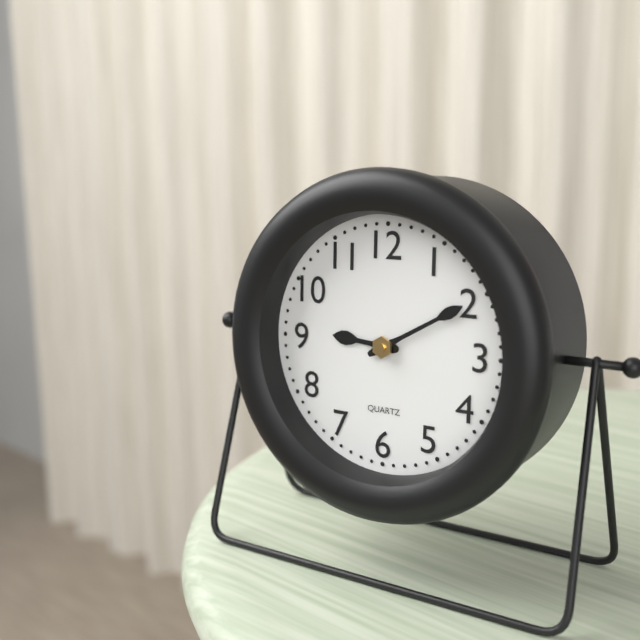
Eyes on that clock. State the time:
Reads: 9:10
